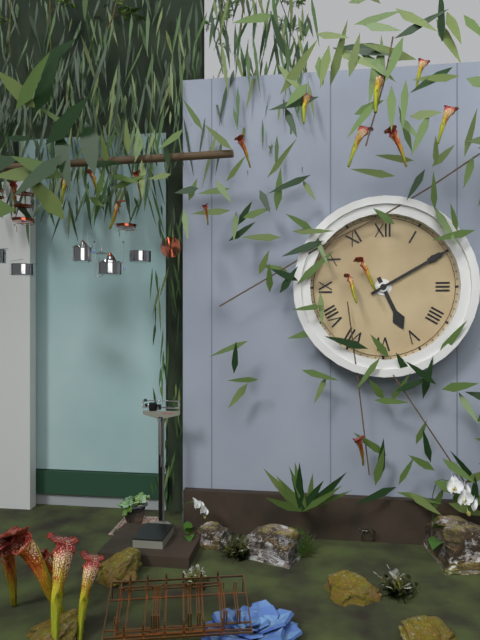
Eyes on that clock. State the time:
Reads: 5:10
